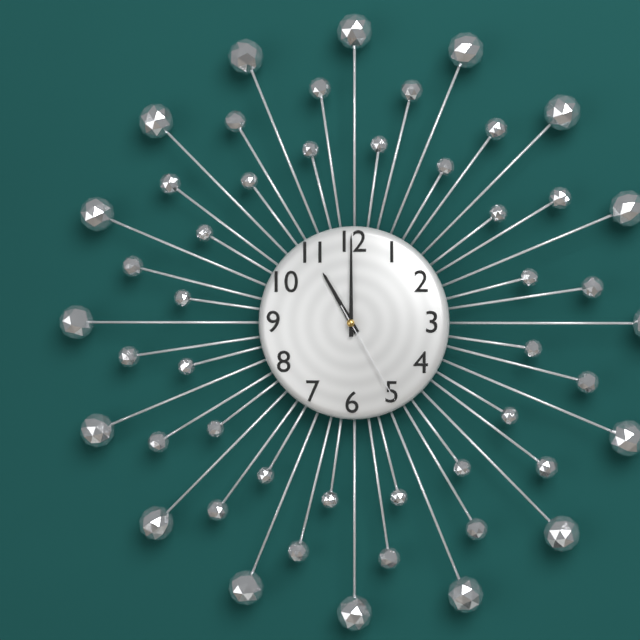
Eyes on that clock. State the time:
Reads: 11:00:25
